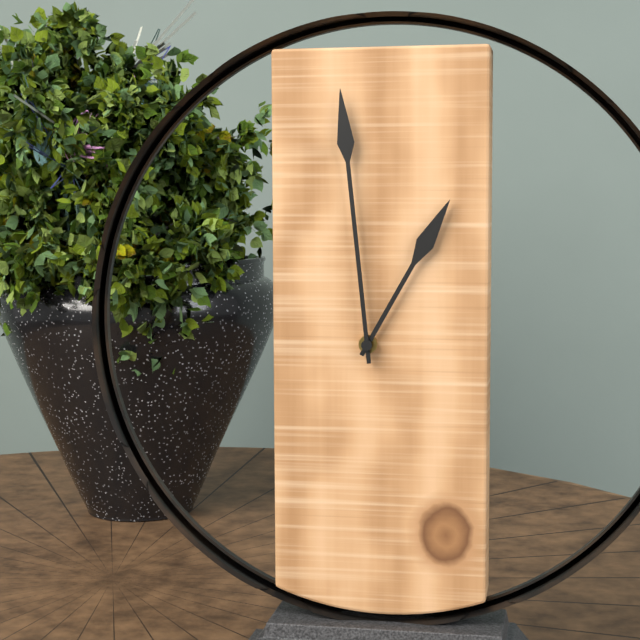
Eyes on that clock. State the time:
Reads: 12:59
